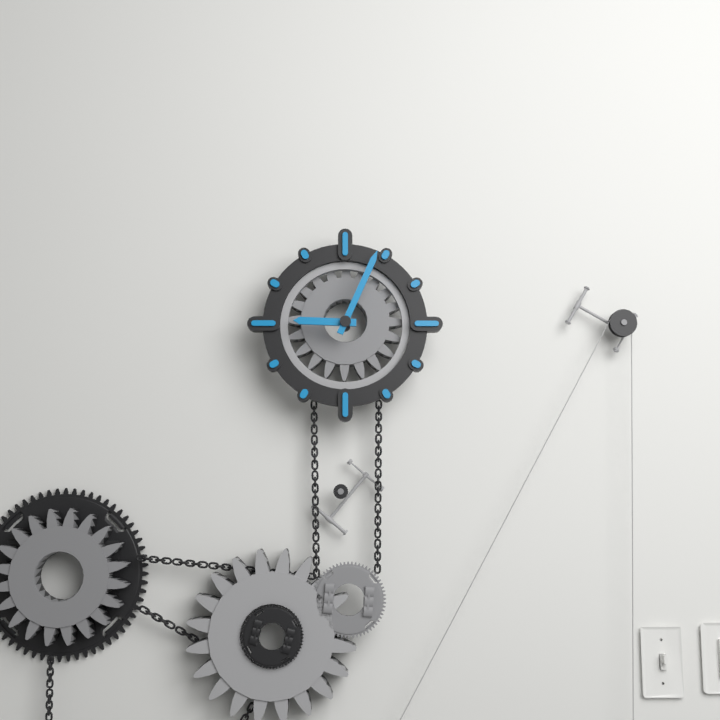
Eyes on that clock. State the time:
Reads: 9:04
